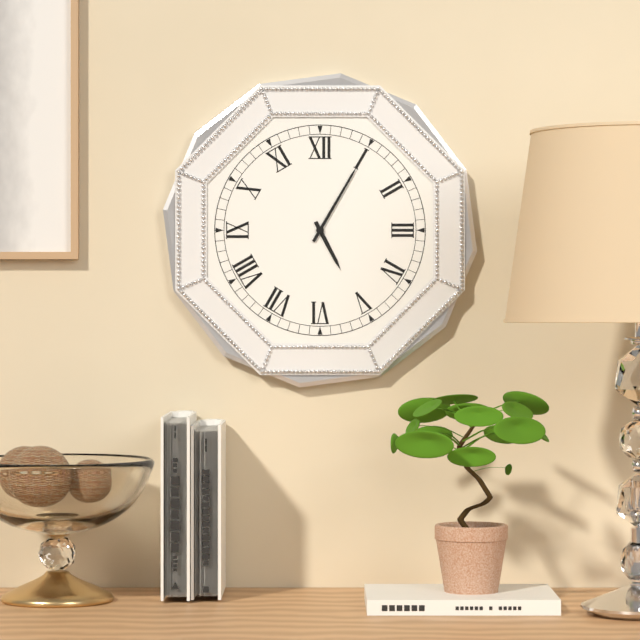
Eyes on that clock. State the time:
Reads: 5:05
